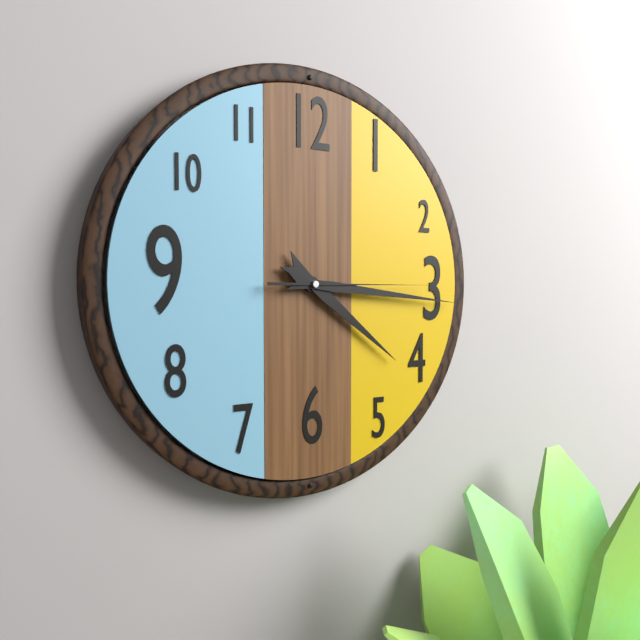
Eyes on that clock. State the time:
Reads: 4:16:15
